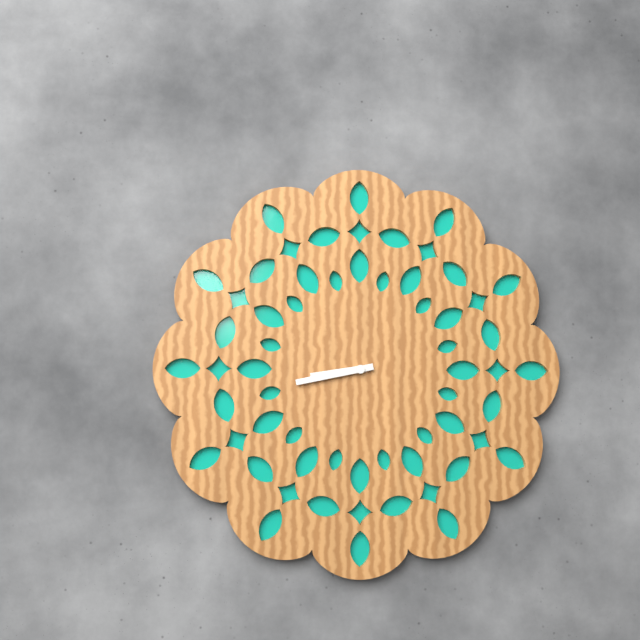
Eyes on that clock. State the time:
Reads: 8:43
